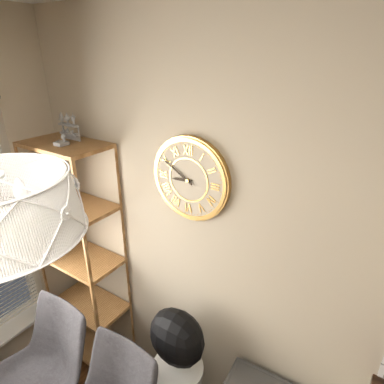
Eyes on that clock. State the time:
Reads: 8:50
